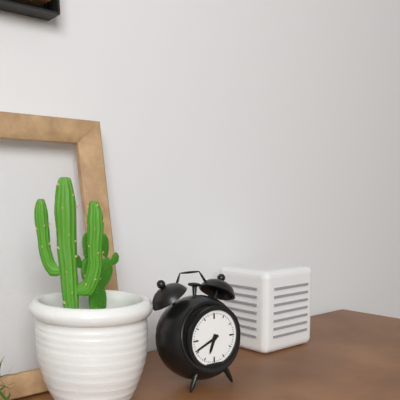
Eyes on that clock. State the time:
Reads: 6:41
